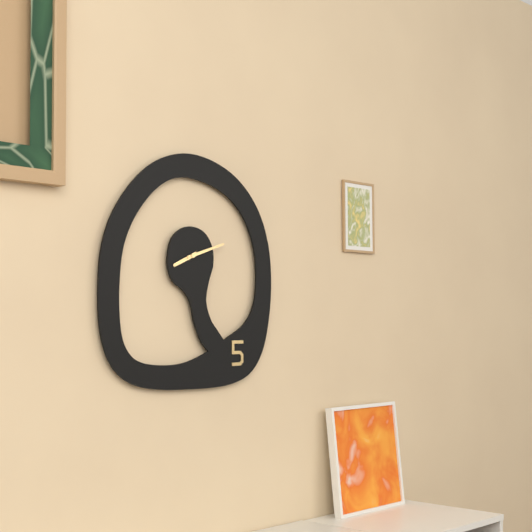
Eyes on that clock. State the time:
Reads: 8:12
